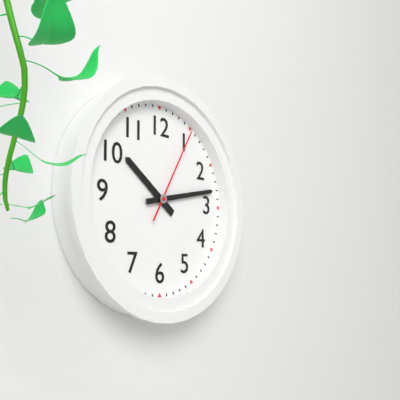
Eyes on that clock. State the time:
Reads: 10:13:05
